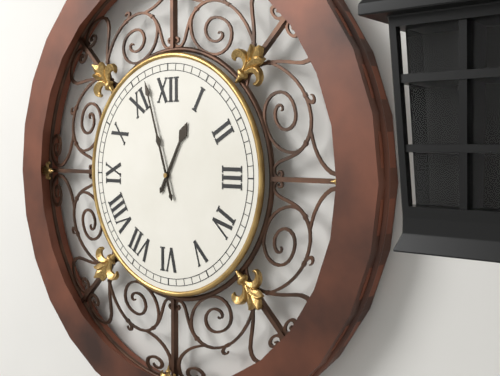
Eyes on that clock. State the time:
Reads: 12:57
